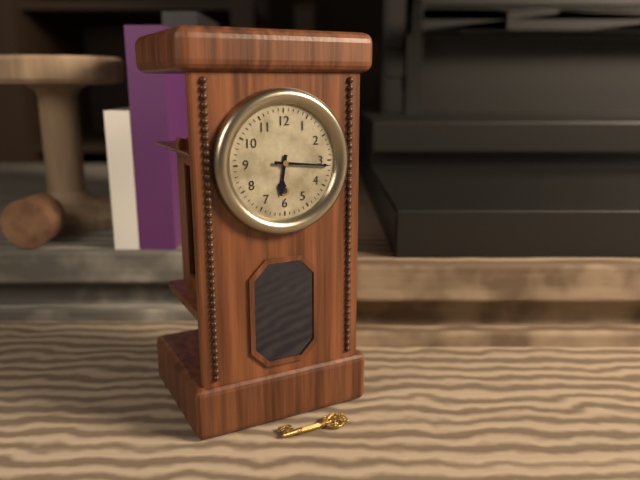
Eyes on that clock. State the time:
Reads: 6:16
